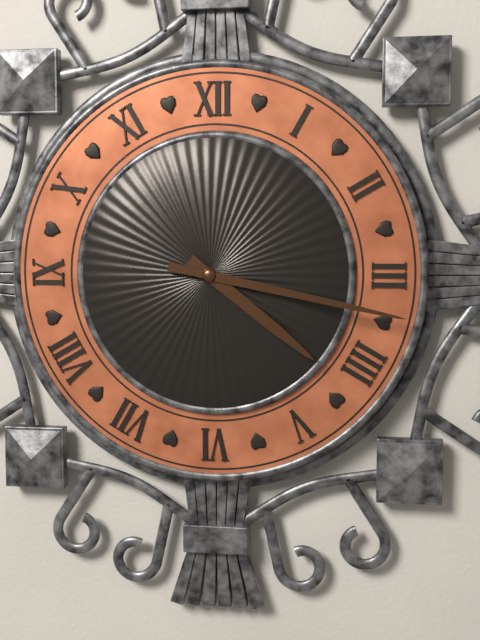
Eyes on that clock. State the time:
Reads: 4:17
